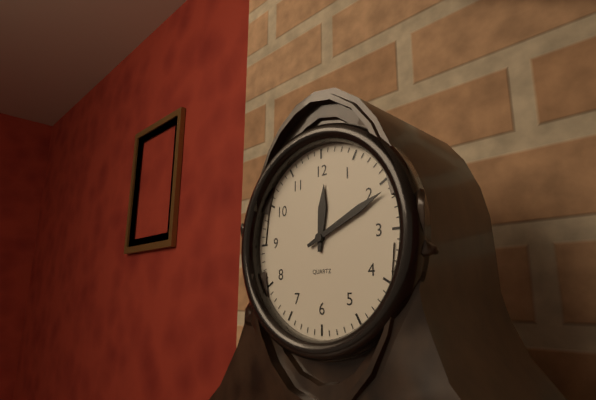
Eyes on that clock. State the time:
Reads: 12:11
